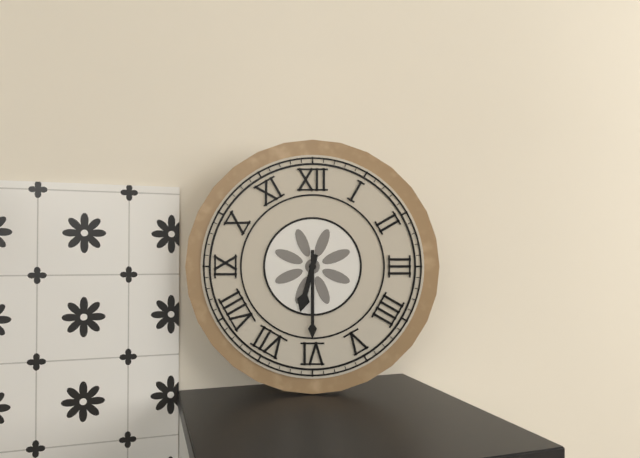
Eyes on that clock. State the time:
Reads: 6:30
